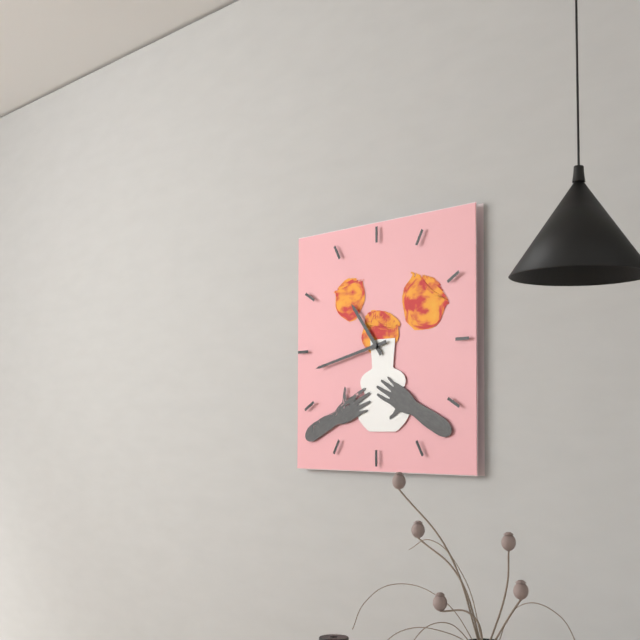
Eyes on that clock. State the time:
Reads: 10:43
